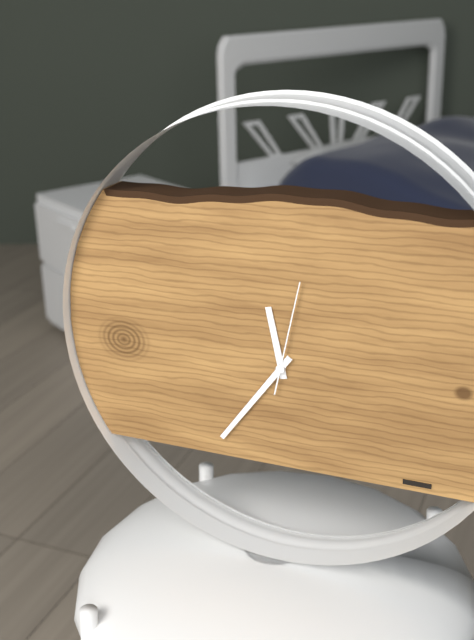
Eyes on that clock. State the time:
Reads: 11:36:02
